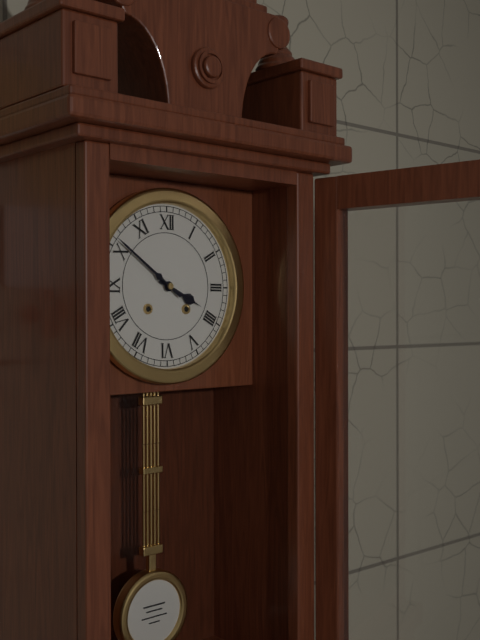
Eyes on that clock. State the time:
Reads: 3:51
